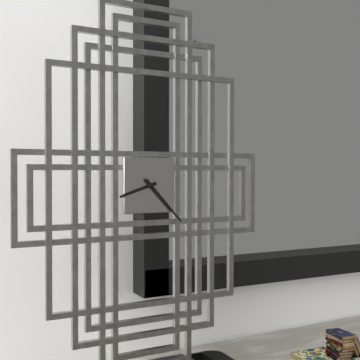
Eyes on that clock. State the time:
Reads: 8:23
